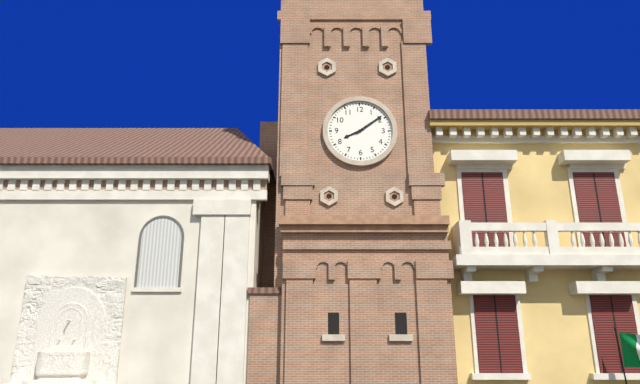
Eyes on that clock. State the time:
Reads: 8:09
